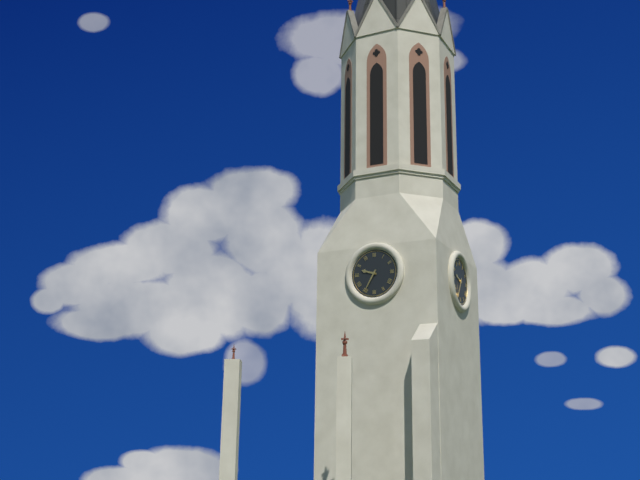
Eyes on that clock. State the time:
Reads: 9:35
